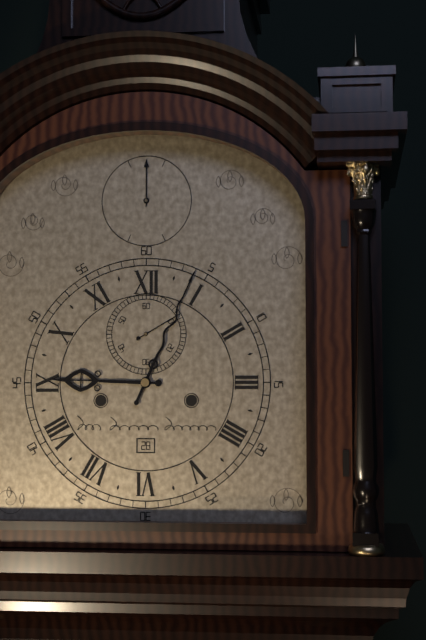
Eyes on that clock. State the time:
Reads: 9:04
